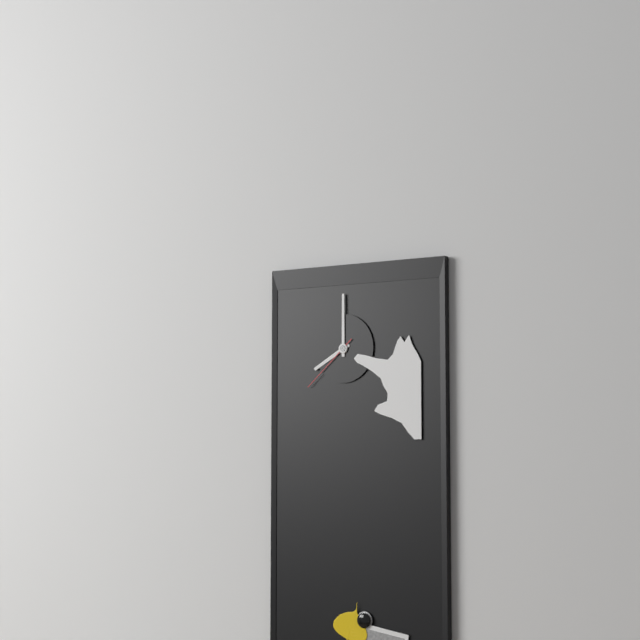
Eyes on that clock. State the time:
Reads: 8:00:38
